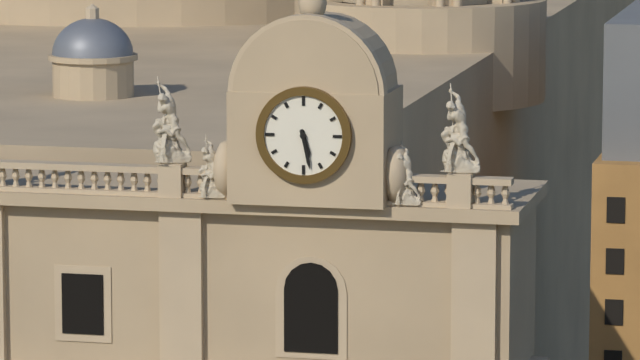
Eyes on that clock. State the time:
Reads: 5:28
